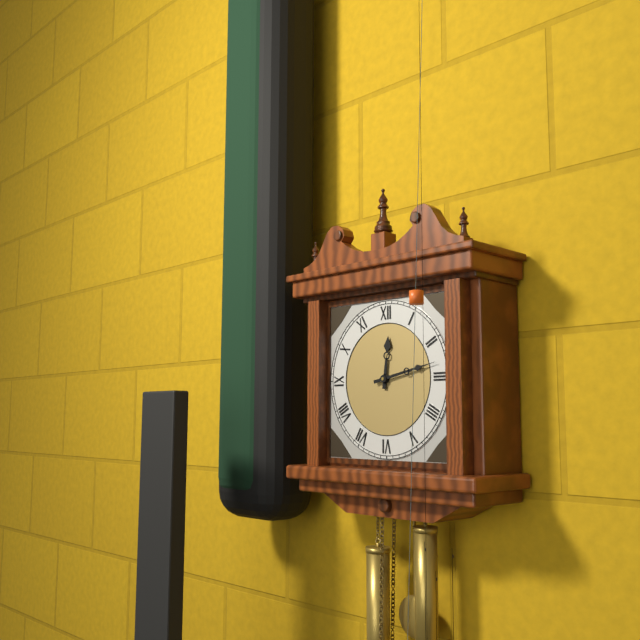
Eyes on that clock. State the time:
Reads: 12:13
